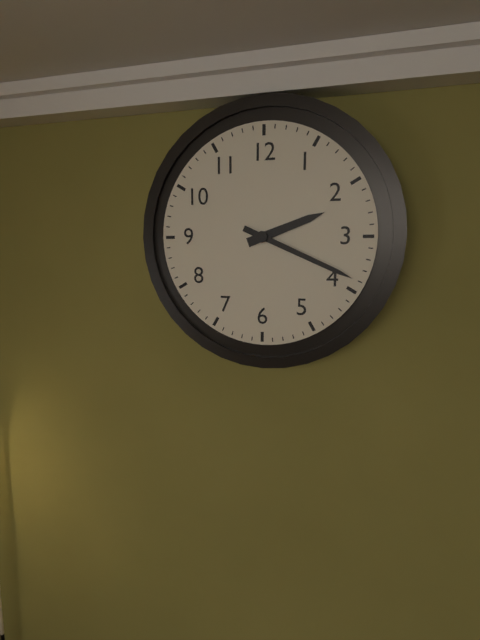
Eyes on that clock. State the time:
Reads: 2:19
